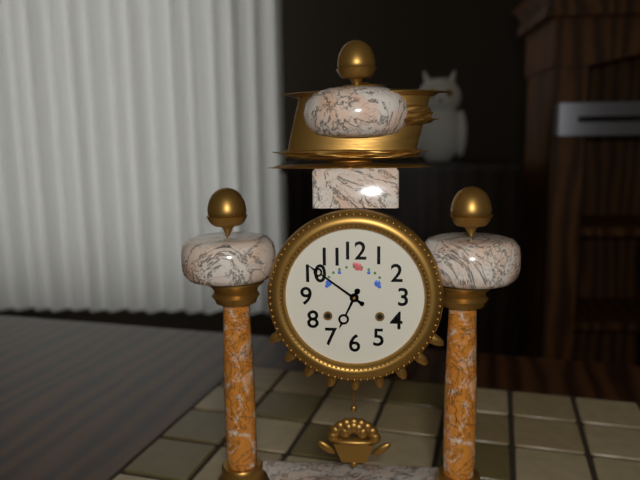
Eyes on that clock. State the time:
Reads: 6:51
